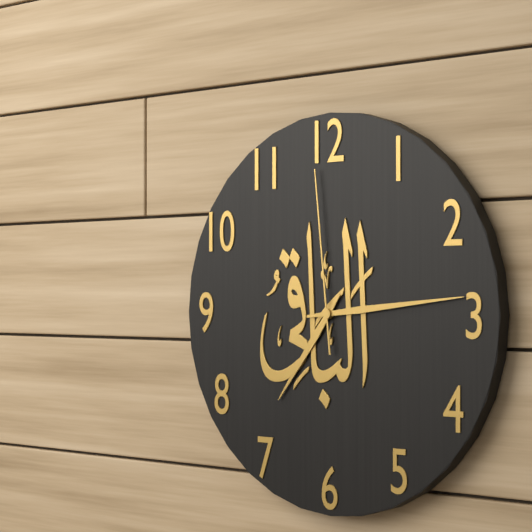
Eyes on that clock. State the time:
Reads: 7:14:59
